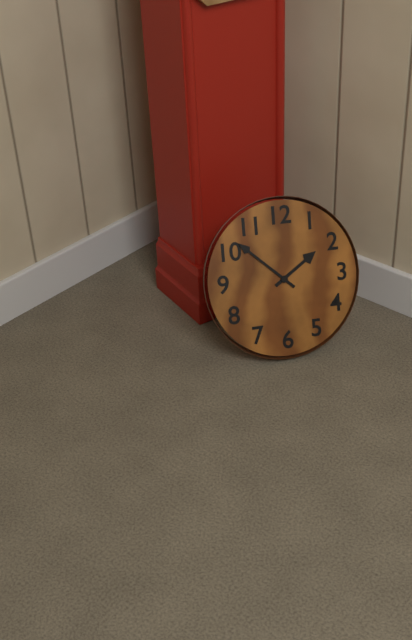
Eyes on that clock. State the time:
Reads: 1:52
